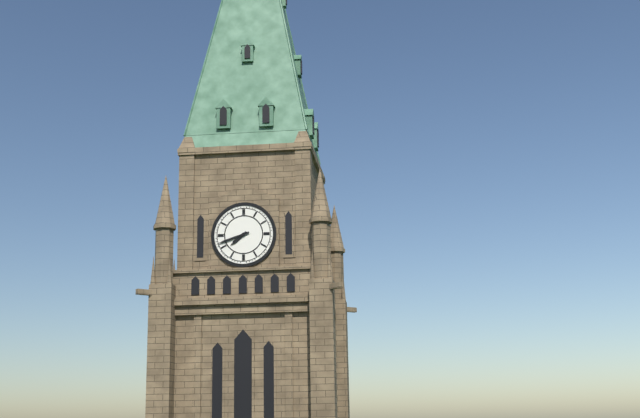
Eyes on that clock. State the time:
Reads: 7:42
